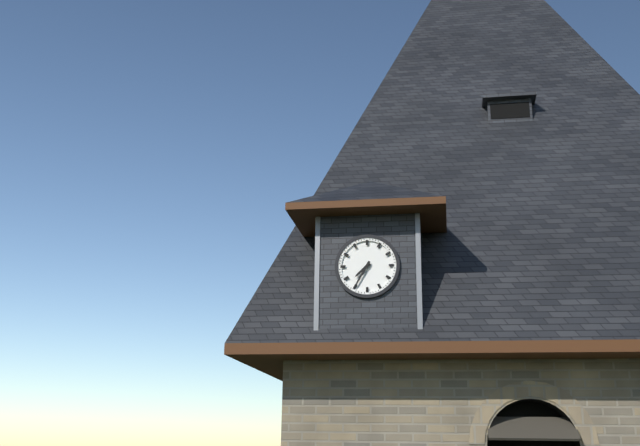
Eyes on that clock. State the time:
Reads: 7:35
